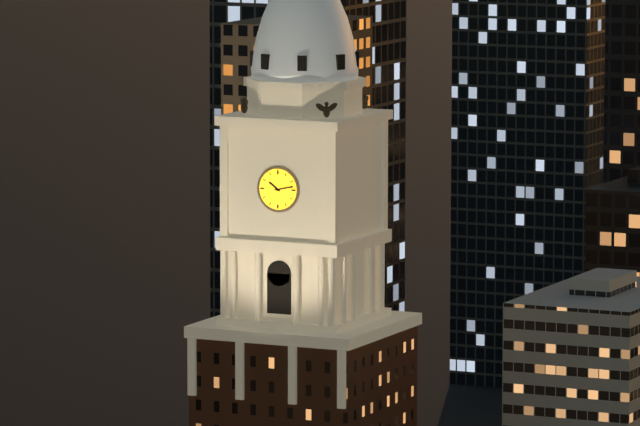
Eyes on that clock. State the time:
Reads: 10:13
